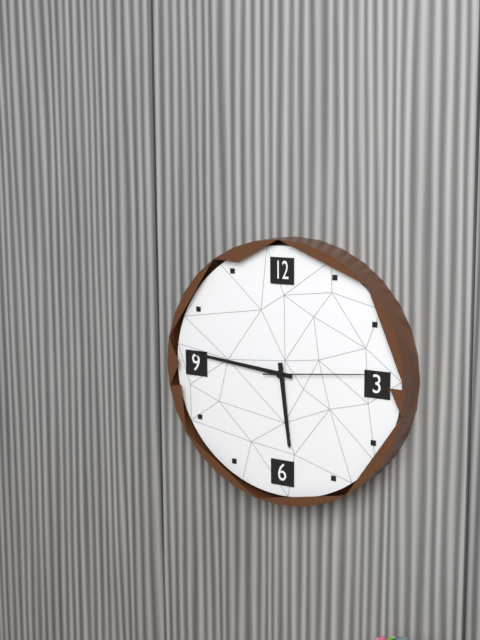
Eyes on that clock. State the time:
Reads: 5:46:14
